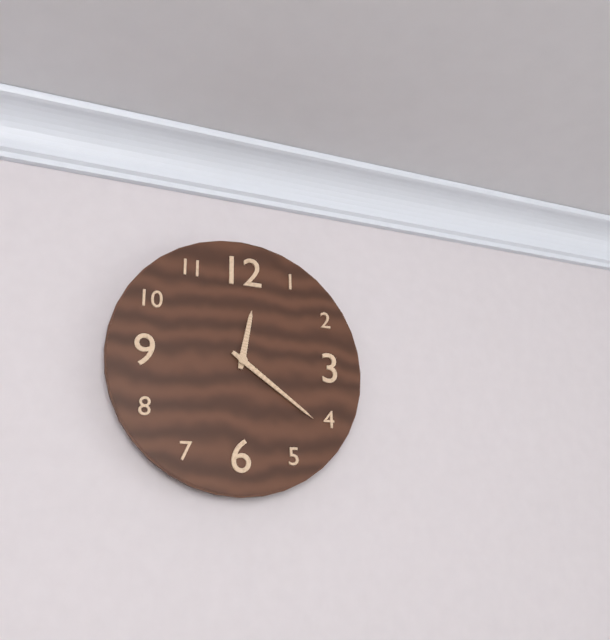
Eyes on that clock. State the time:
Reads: 12:21
